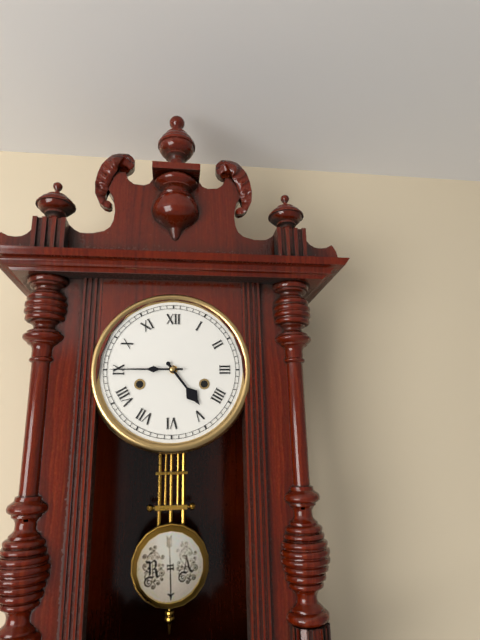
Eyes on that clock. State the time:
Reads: 4:45
